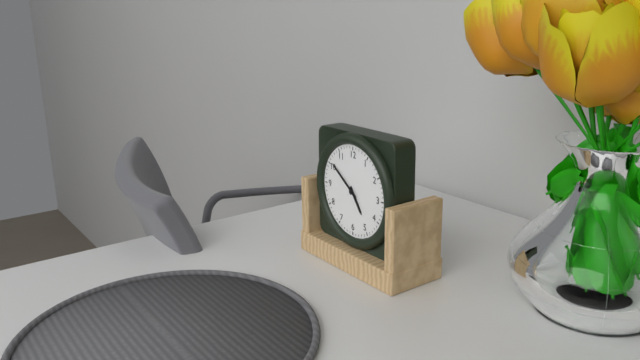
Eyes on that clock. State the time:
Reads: 4:51
